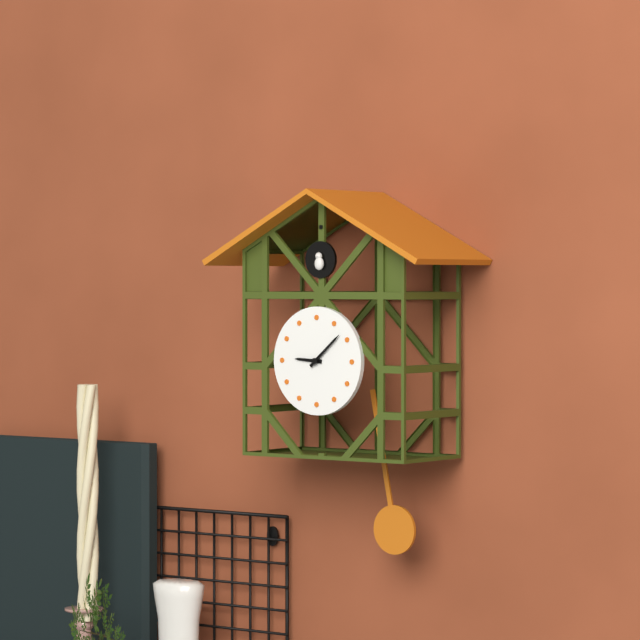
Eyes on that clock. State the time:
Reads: 9:08
